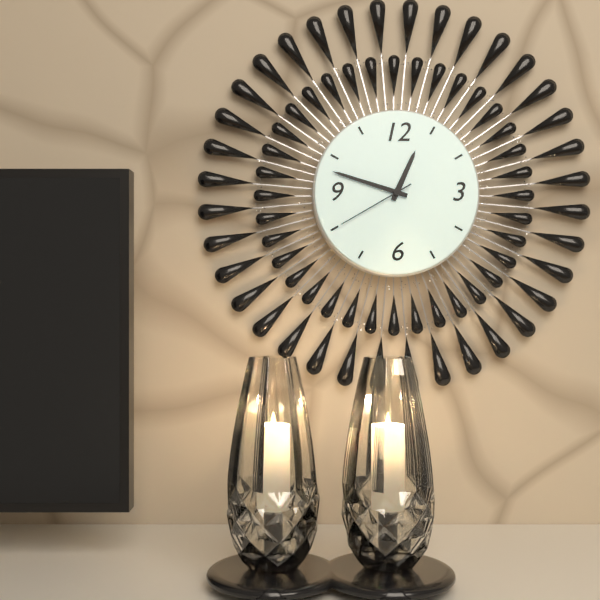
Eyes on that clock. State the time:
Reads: 12:48:40
